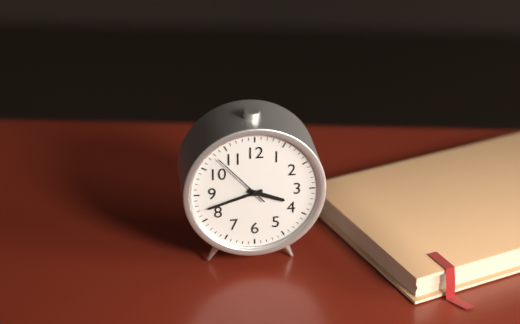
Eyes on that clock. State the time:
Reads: 3:42:53
